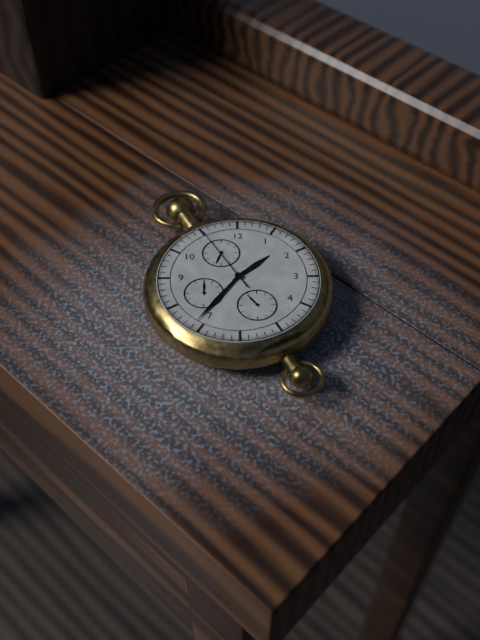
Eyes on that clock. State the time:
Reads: 1:36:55
